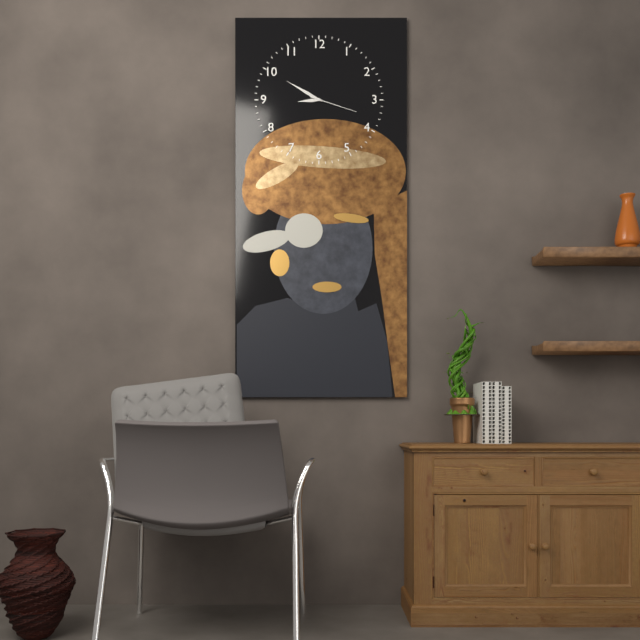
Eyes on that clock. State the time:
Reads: 8:50
